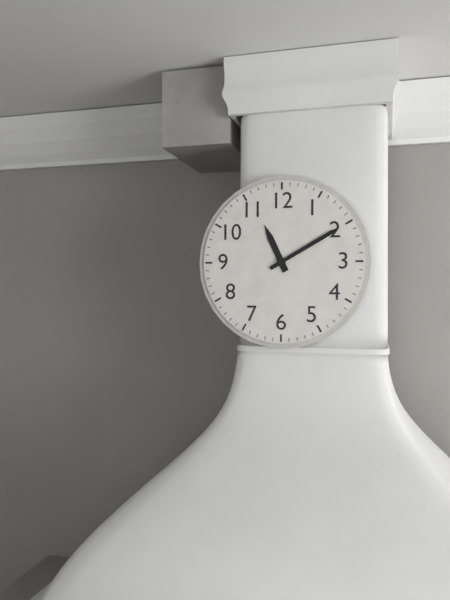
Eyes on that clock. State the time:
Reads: 11:10
